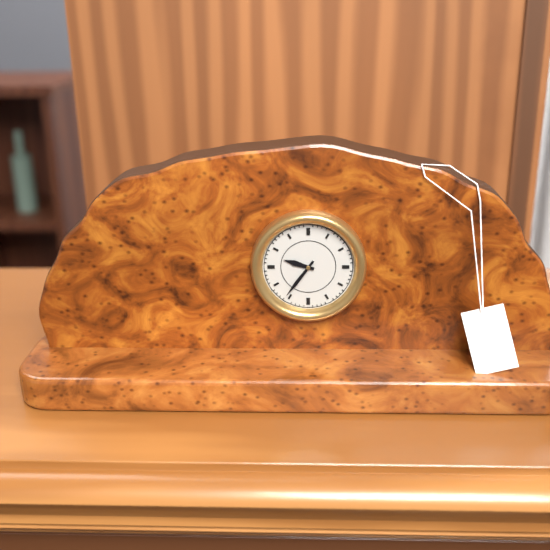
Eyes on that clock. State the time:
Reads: 9:36
